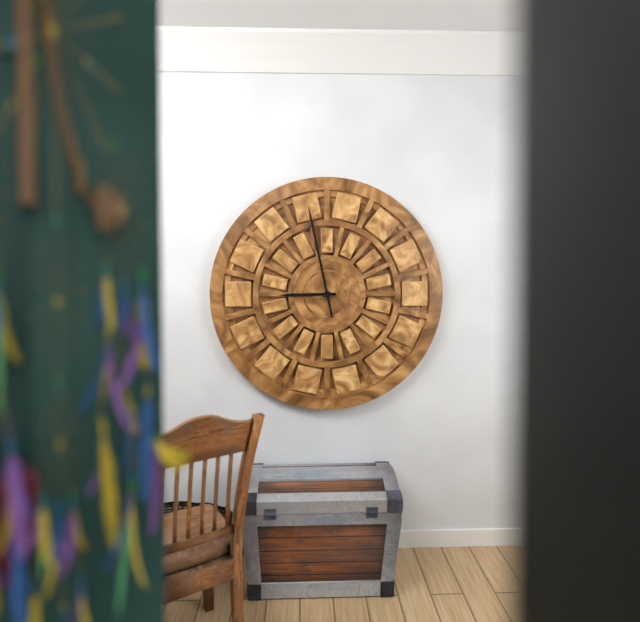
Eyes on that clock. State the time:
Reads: 8:58
